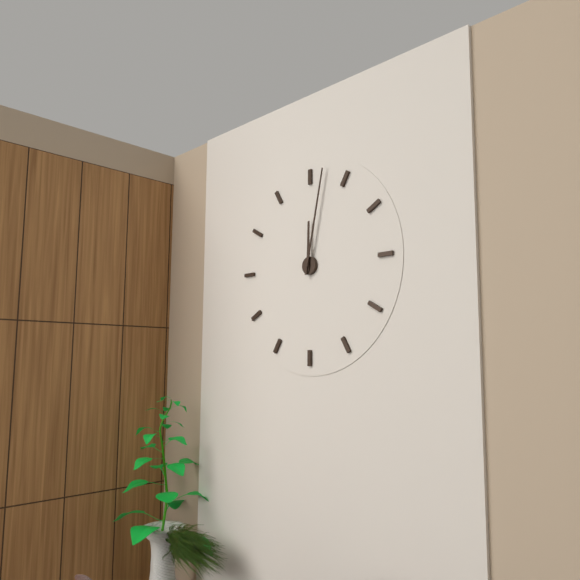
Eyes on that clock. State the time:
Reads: 12:02
